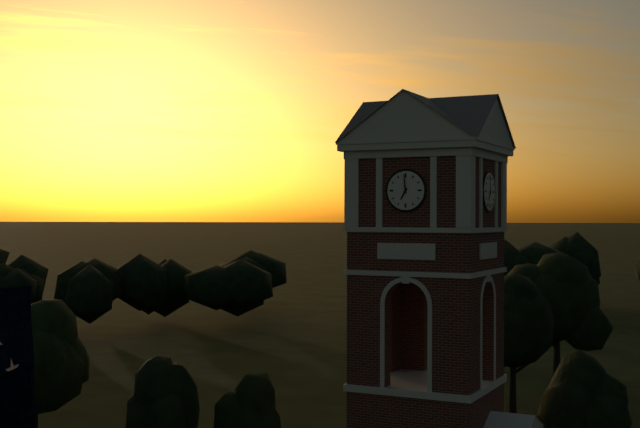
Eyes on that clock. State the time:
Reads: 6:59
